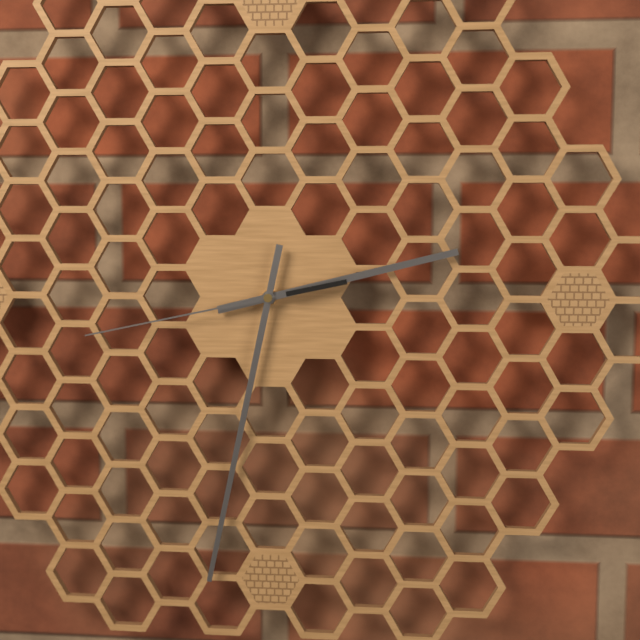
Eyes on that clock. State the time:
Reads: 2:32:43
